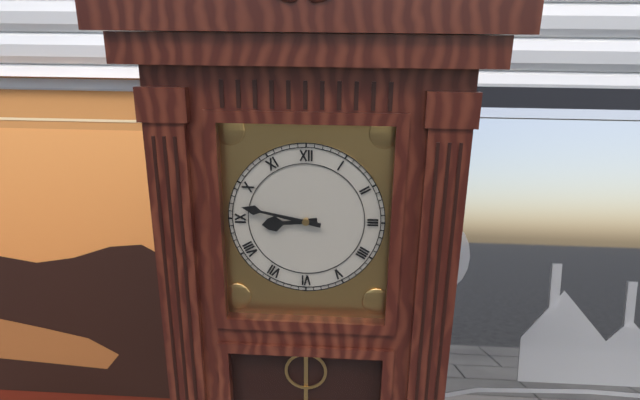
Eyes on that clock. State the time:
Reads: 8:47
